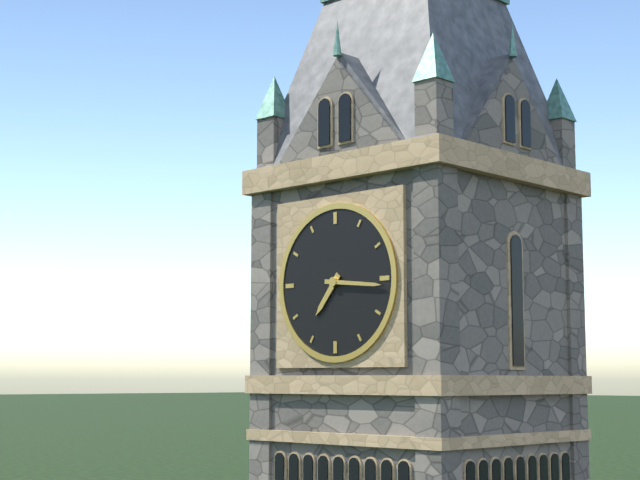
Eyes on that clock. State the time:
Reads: 7:16
